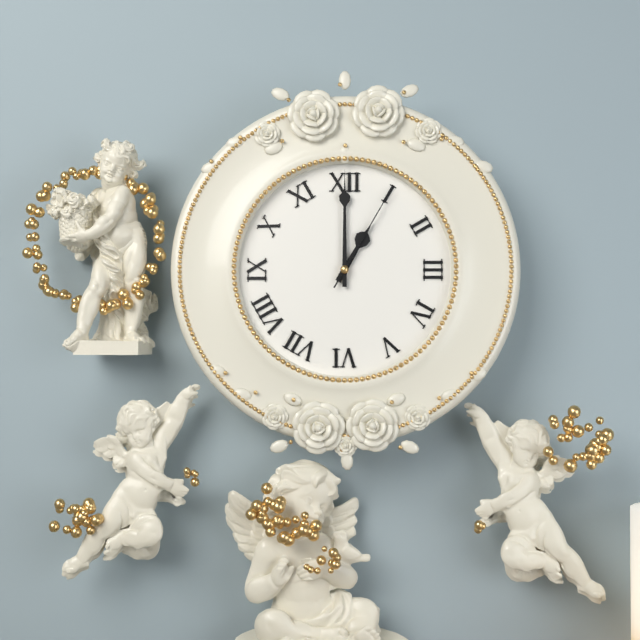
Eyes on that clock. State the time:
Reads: 1:00:05
